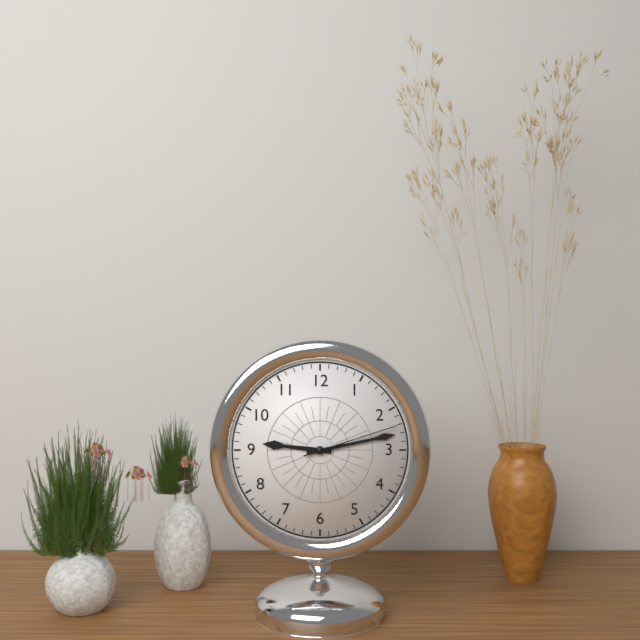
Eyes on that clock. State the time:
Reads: 9:13:12
